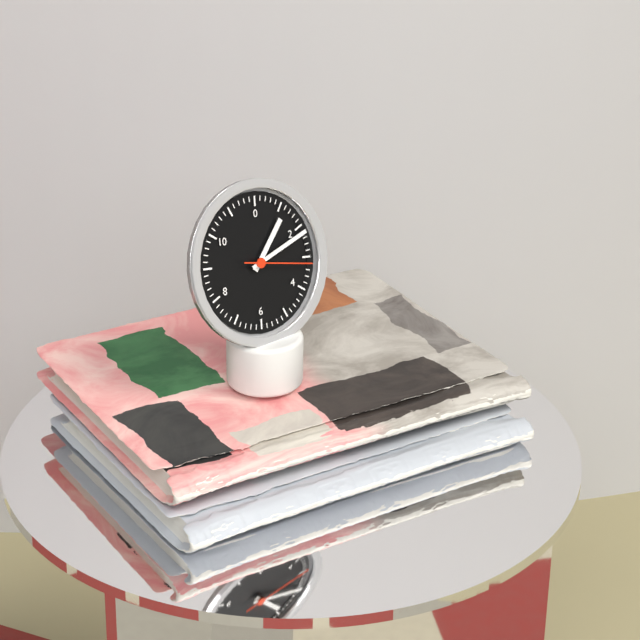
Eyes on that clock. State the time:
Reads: 1:11:16
